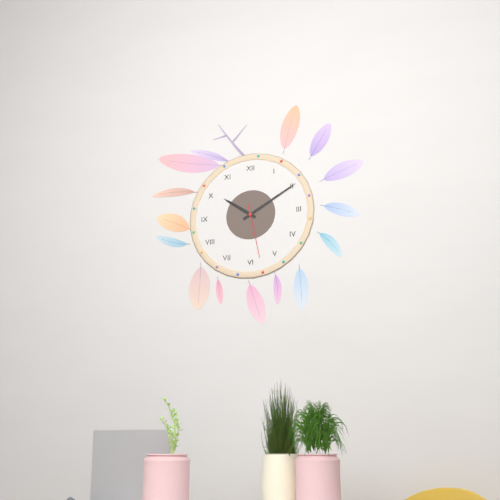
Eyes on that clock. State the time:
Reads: 10:10:28
